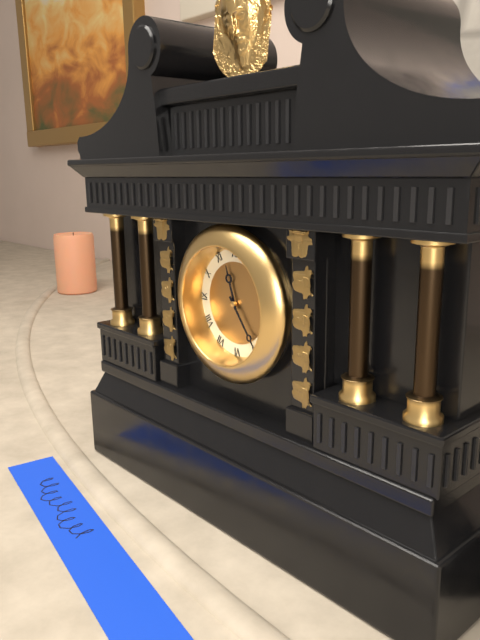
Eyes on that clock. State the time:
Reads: 11:24
